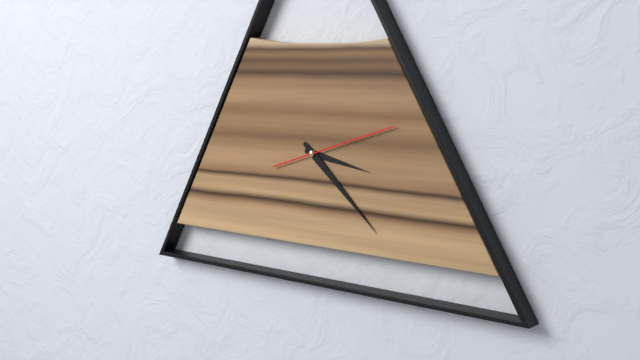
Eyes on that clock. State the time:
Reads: 3:22:12
